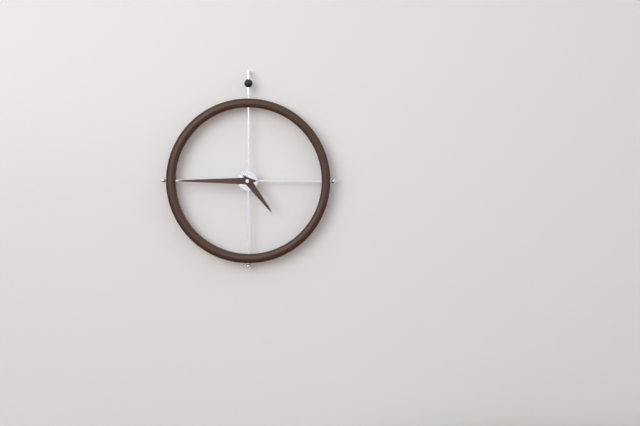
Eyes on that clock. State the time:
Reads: 4:45
